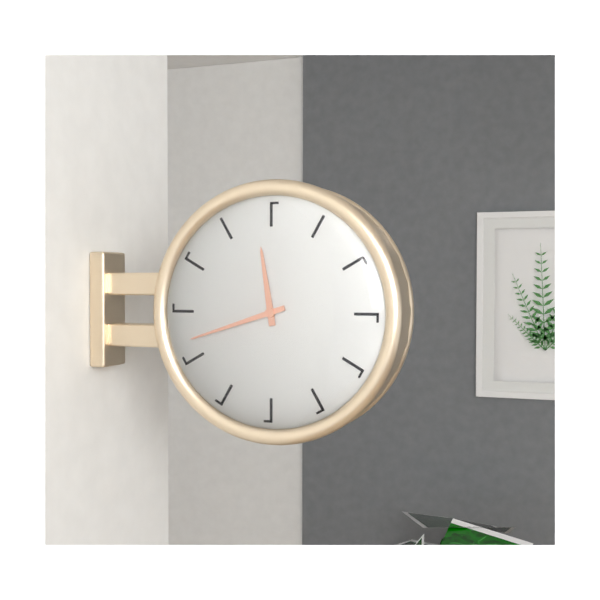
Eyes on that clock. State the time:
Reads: 11:42
